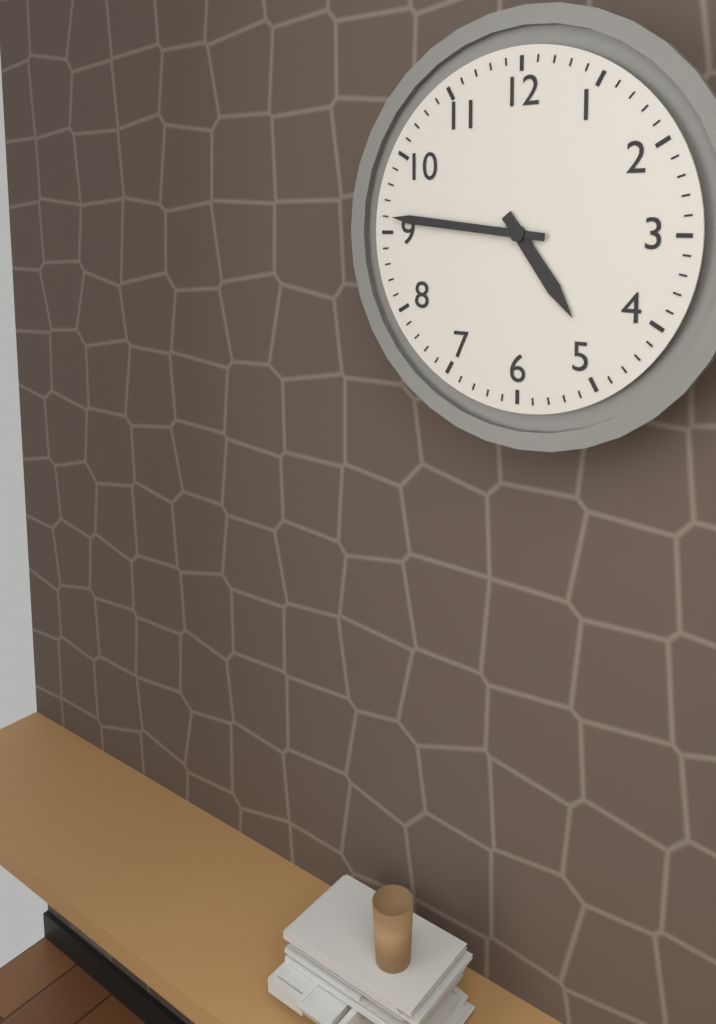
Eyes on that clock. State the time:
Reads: 4:46
